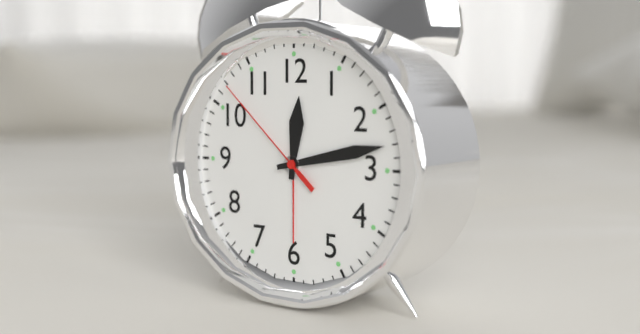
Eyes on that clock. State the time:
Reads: 12:13:52
